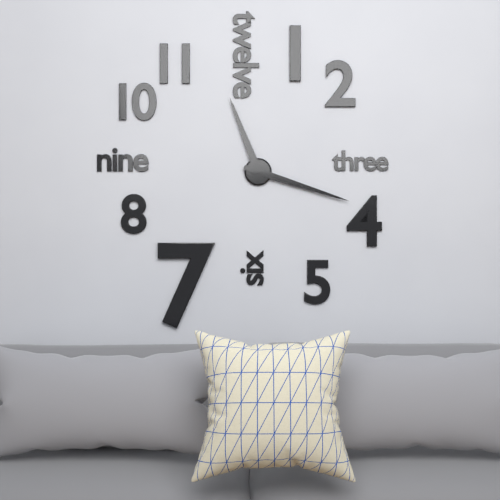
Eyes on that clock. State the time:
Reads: 11:18
